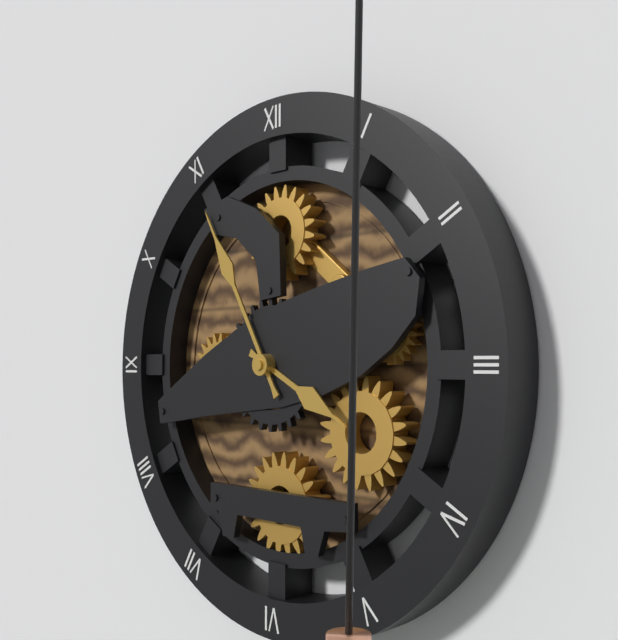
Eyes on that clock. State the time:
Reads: 3:55
